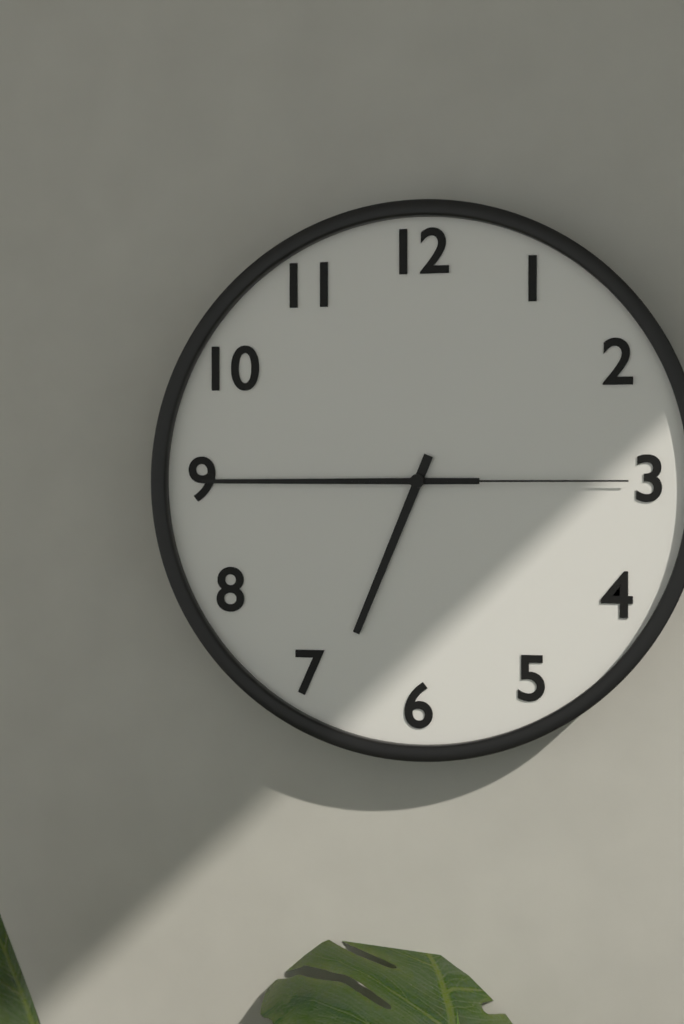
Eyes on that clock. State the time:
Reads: 6:45:15
